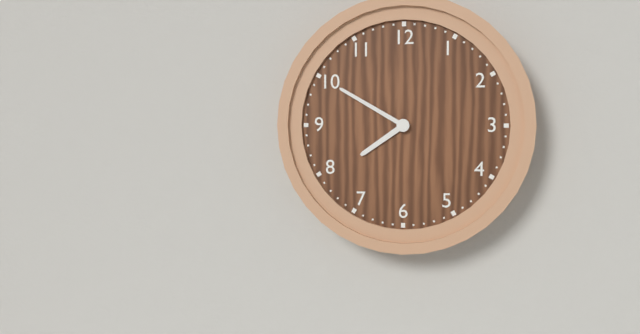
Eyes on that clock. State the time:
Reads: 7:50
